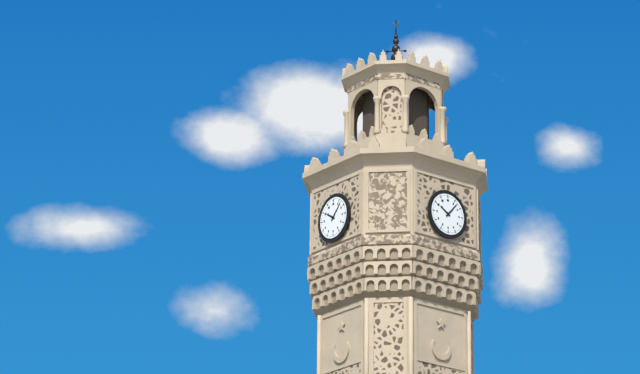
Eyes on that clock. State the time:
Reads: 10:07
